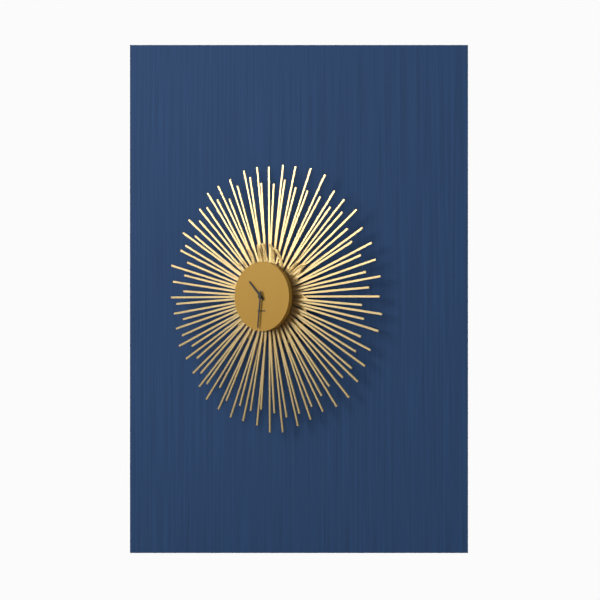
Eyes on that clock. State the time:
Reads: 10:31
